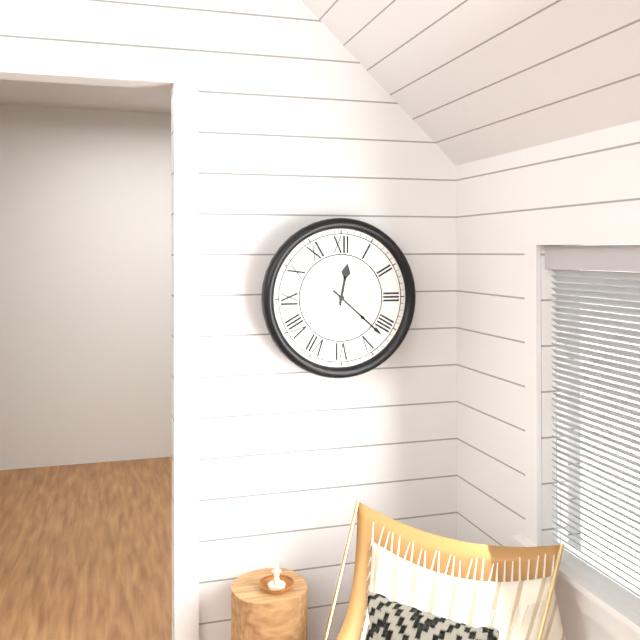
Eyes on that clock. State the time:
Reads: 12:22
